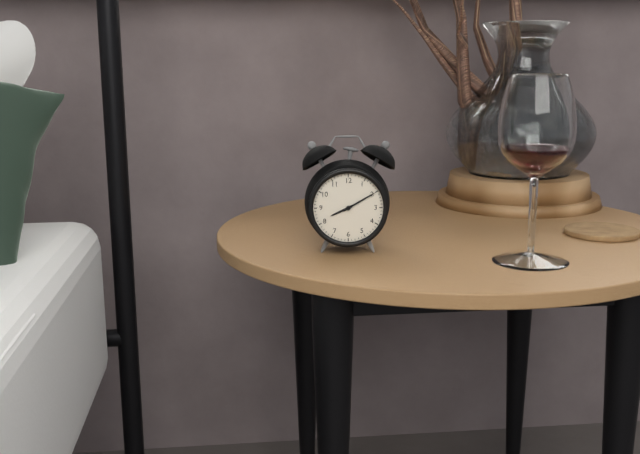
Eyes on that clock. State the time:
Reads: 8:10
